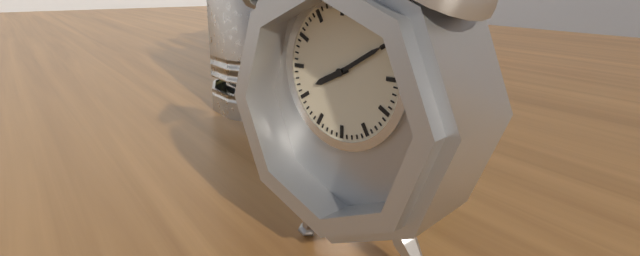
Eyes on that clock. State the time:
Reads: 8:10
